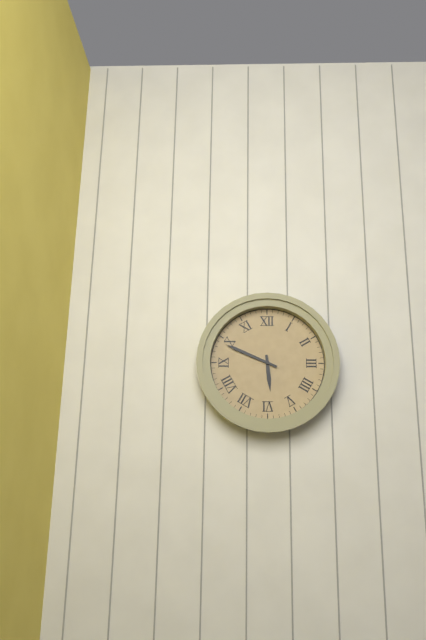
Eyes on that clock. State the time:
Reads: 5:49
